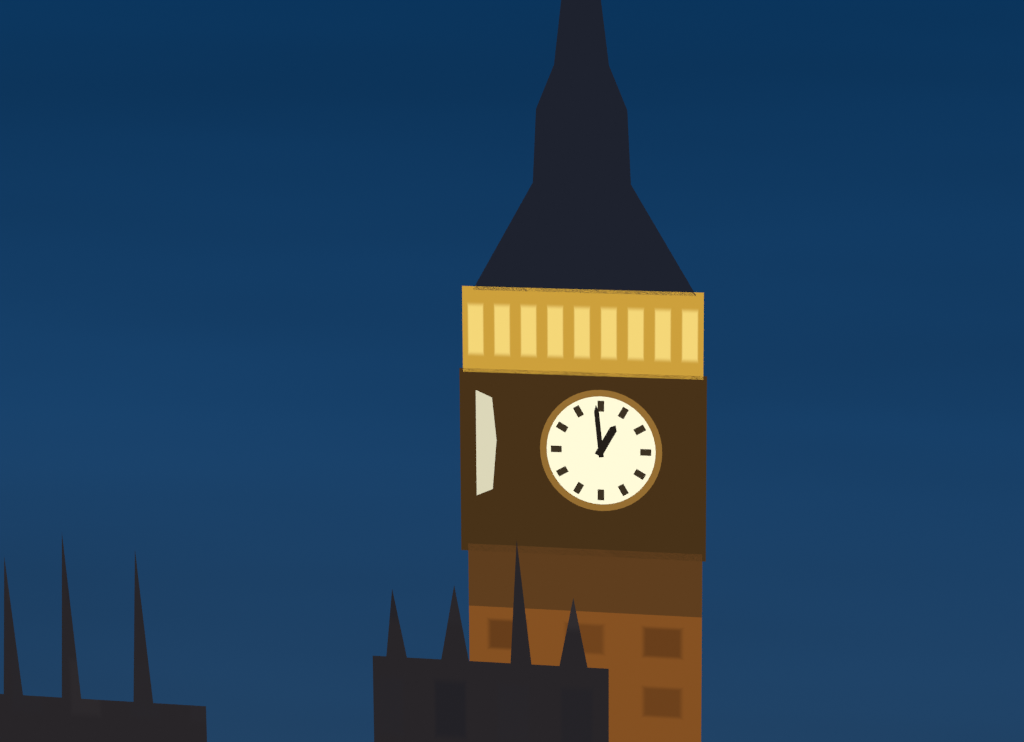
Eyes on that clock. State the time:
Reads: 12:59
